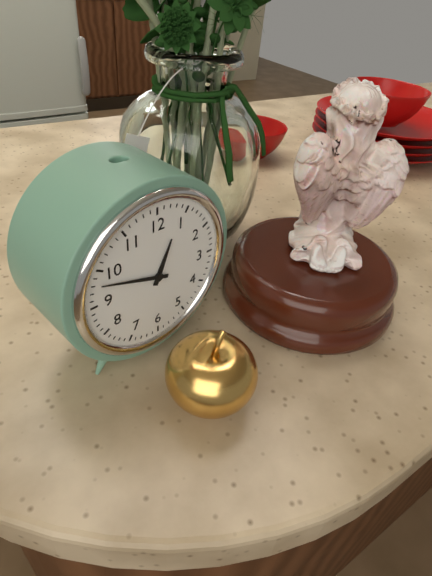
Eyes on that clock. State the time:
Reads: 12:48
